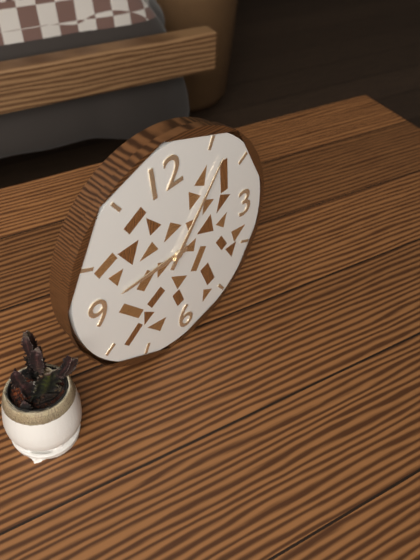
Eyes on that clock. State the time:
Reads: 9:07
